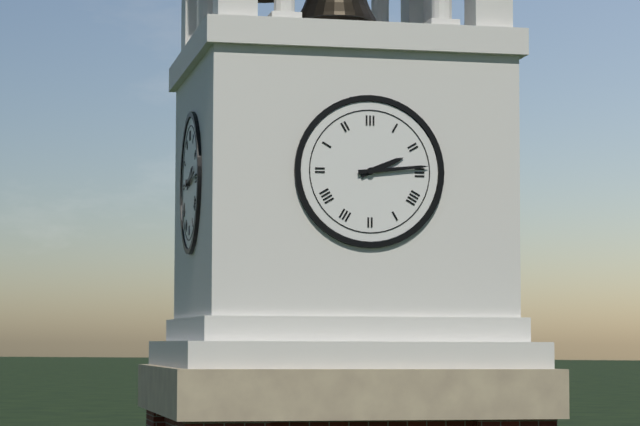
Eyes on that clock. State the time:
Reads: 2:14
